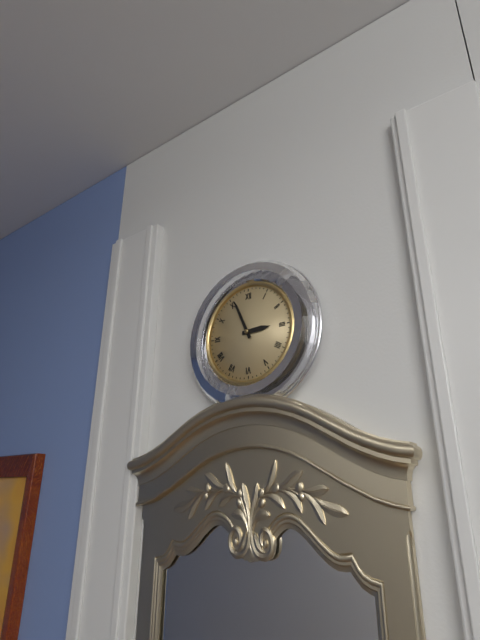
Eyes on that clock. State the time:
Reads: 2:56
